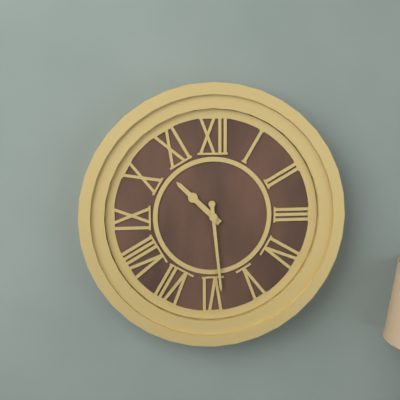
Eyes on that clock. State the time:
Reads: 10:29
